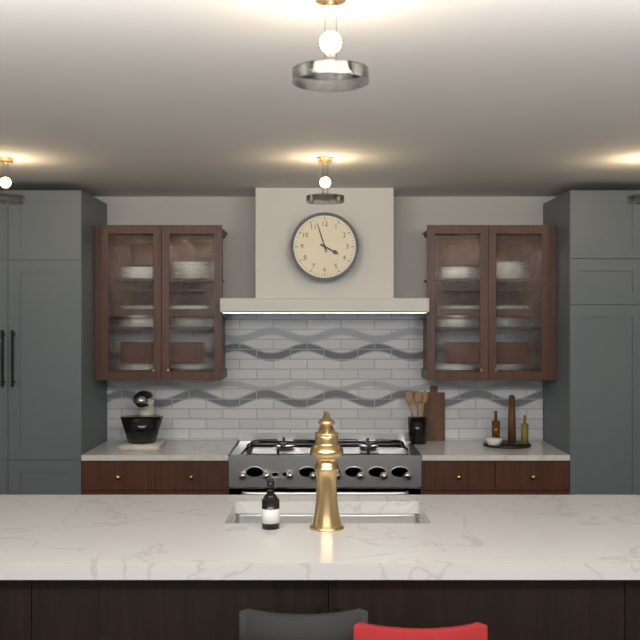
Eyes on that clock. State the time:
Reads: 3:57
